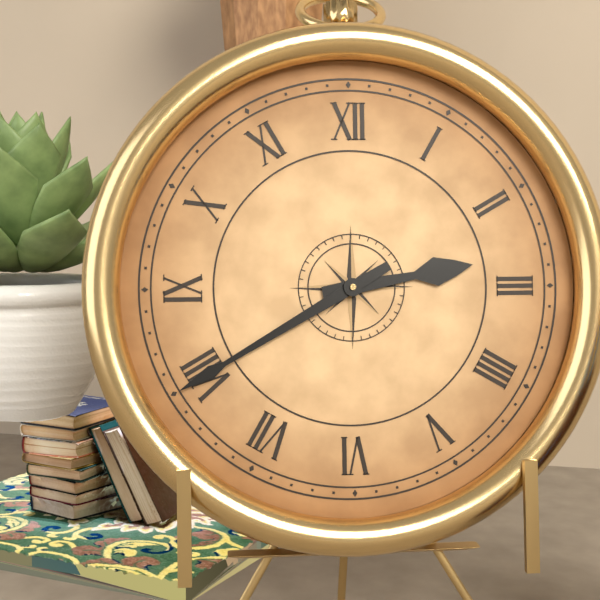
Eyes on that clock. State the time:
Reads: 2:40
